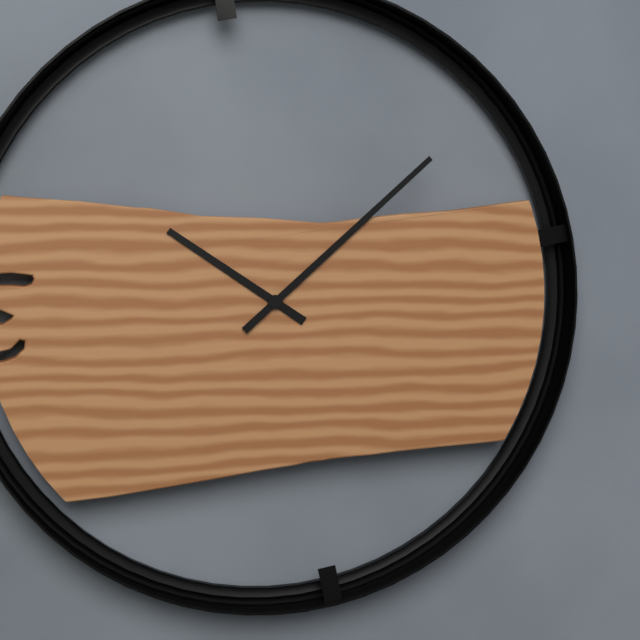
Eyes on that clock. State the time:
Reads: 10:08
